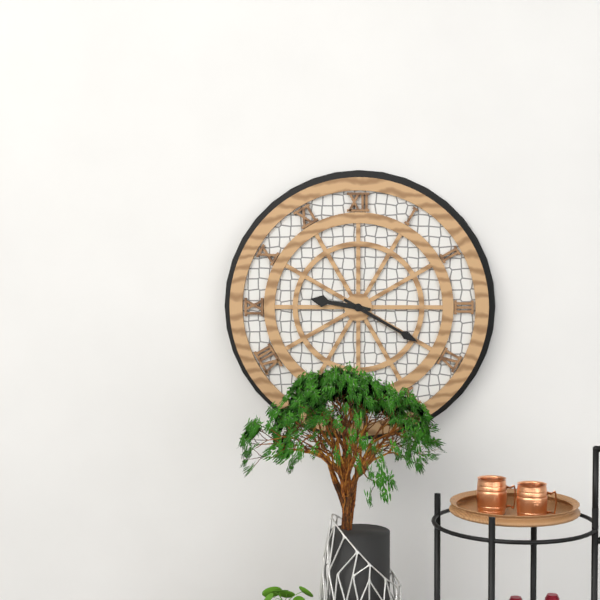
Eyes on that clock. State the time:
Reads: 9:20
